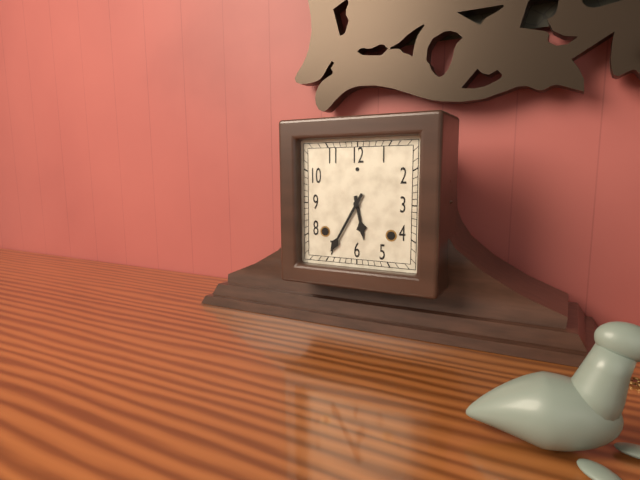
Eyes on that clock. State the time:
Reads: 5:35
